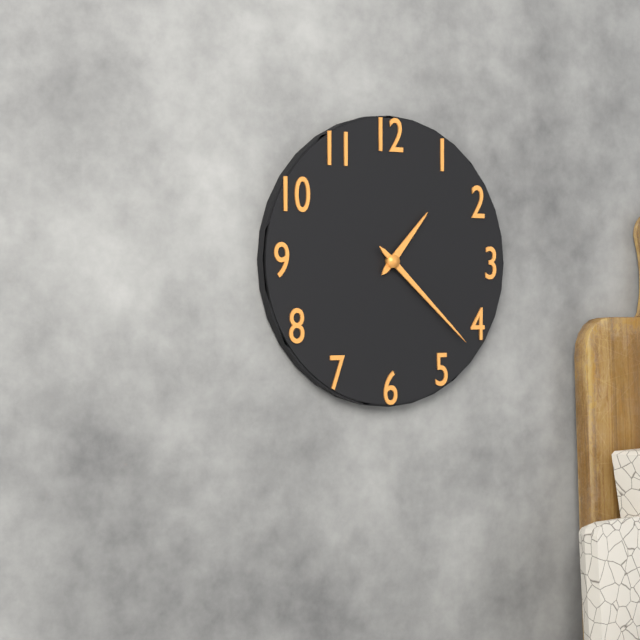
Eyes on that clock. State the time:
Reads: 1:22
